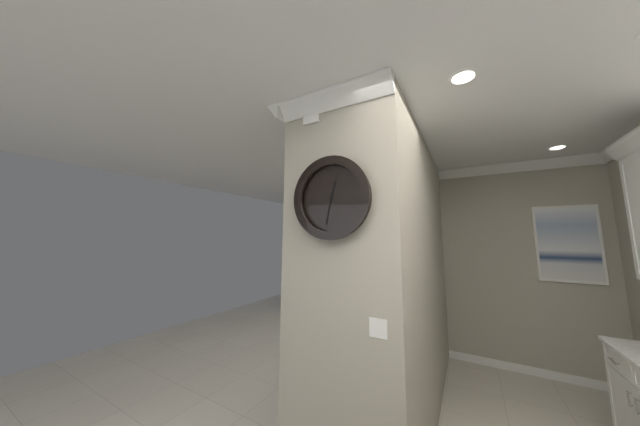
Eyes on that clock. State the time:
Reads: 12:32
